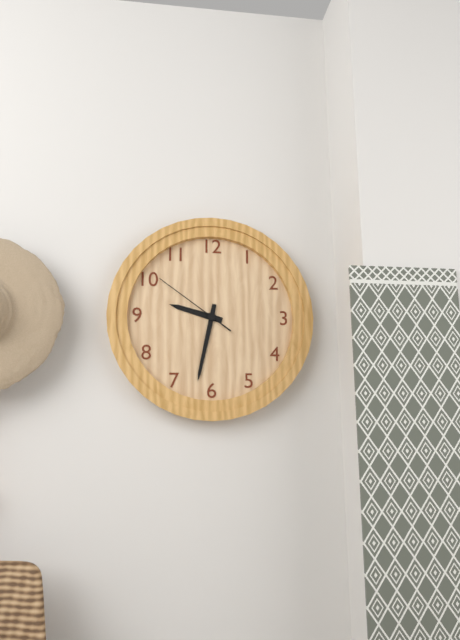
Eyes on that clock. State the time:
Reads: 9:32:51
